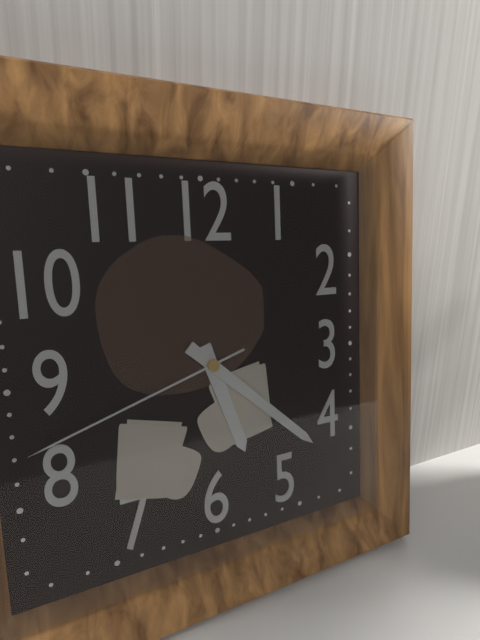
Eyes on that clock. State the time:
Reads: 5:22:42
